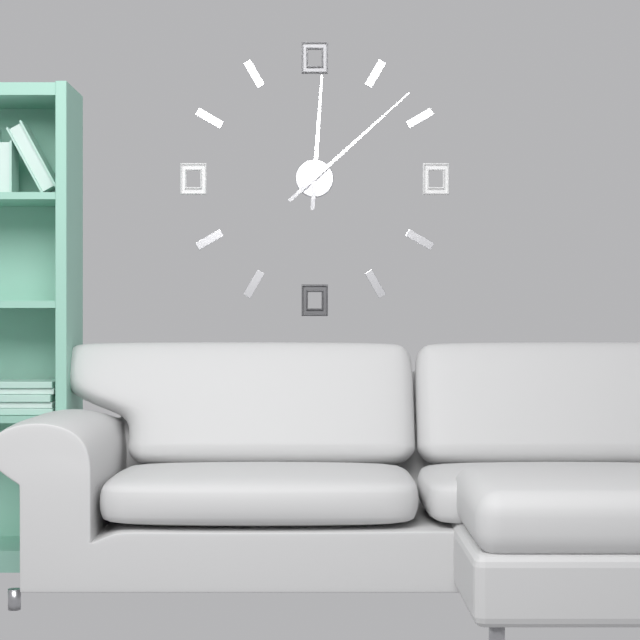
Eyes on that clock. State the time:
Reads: 12:08
